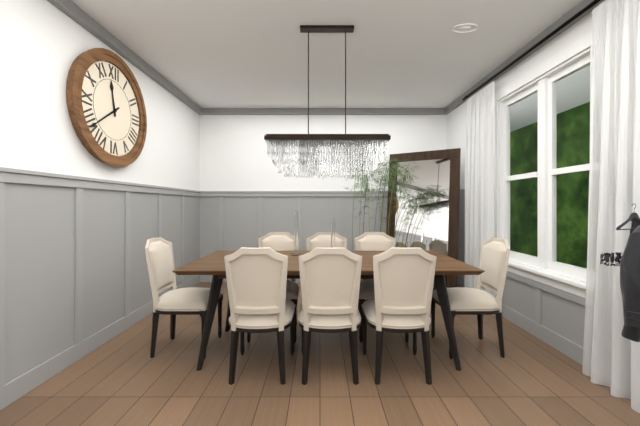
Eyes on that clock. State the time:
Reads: 11:39
